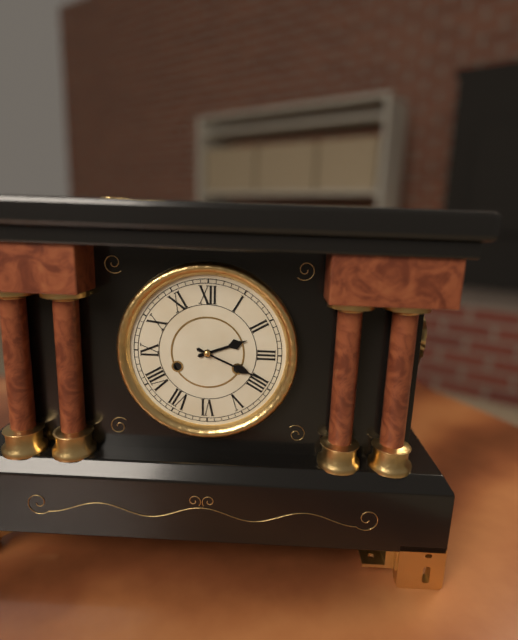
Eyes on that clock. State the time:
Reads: 2:19
